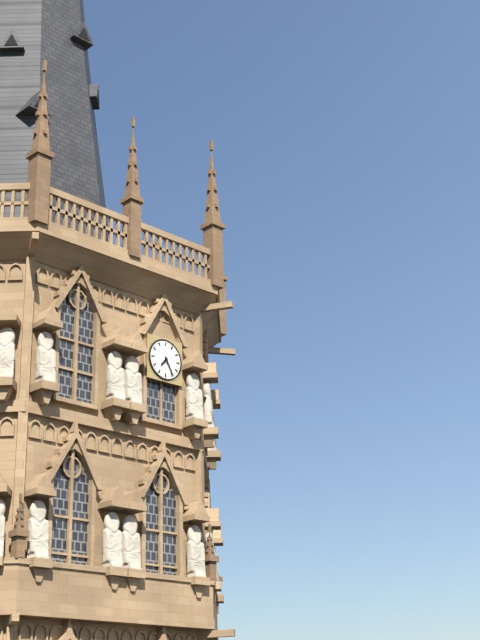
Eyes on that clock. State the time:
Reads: 7:25
